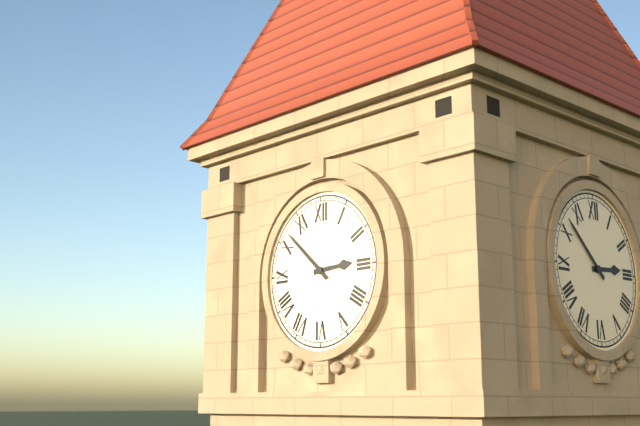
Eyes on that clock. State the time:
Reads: 2:52
